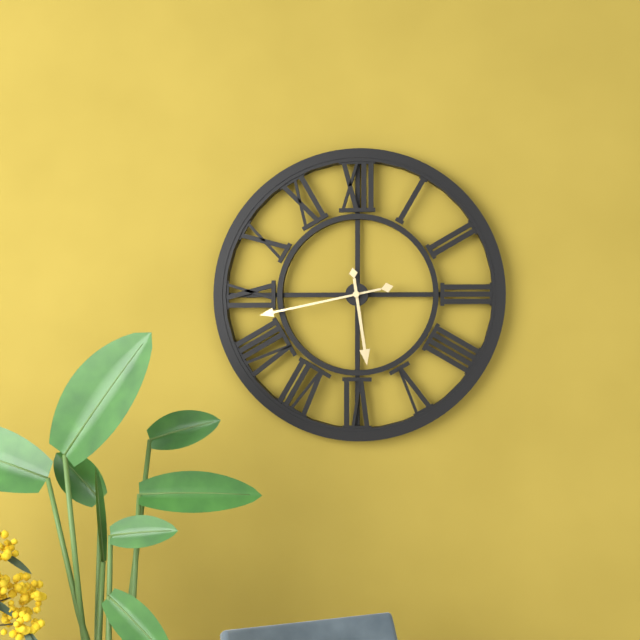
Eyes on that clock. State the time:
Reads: 5:43
